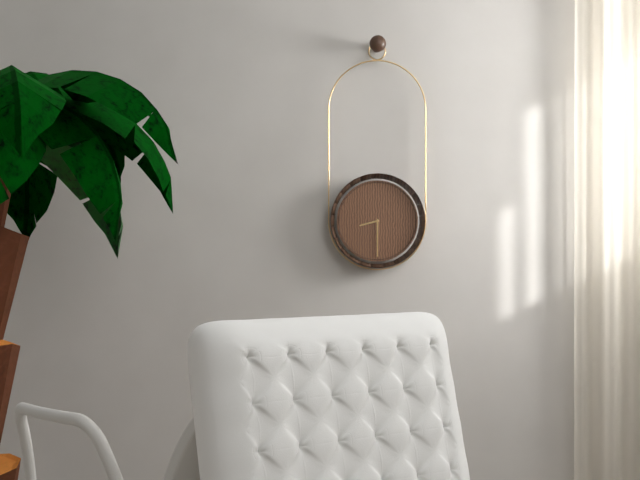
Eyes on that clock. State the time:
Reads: 8:30
